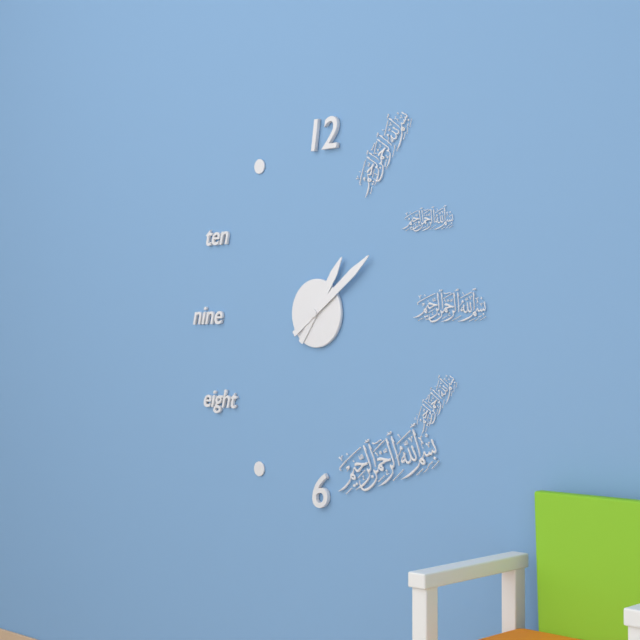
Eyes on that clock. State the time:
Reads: 1:09
